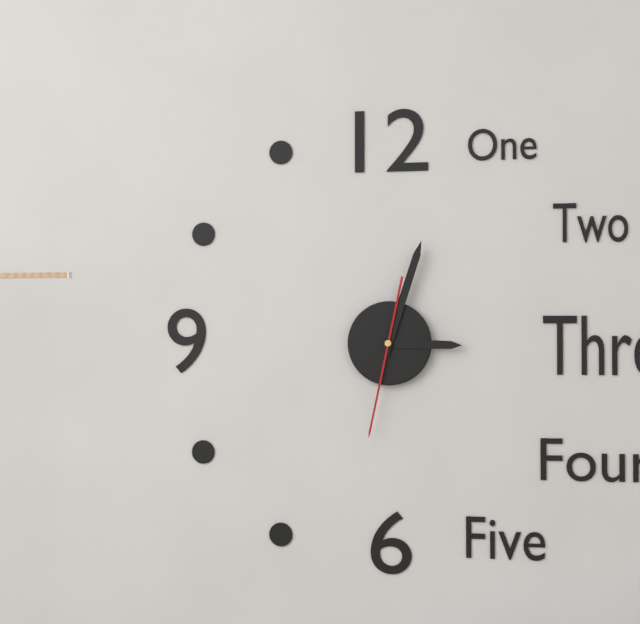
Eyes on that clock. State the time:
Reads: 3:03:32
